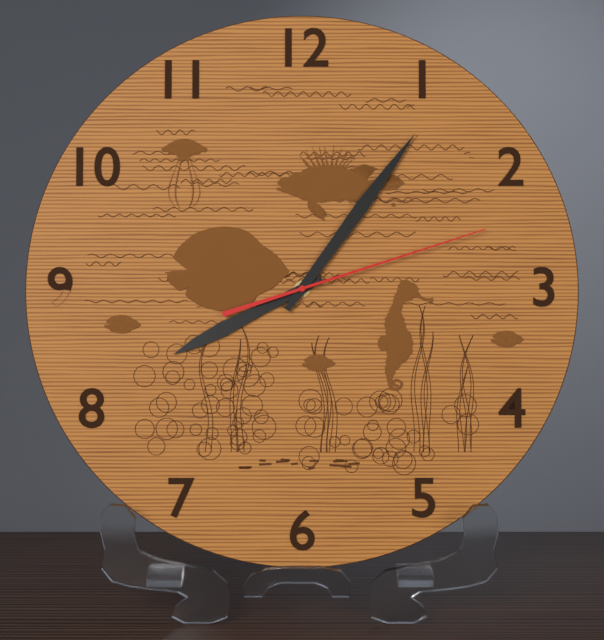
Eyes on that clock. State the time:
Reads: 8:06:12
